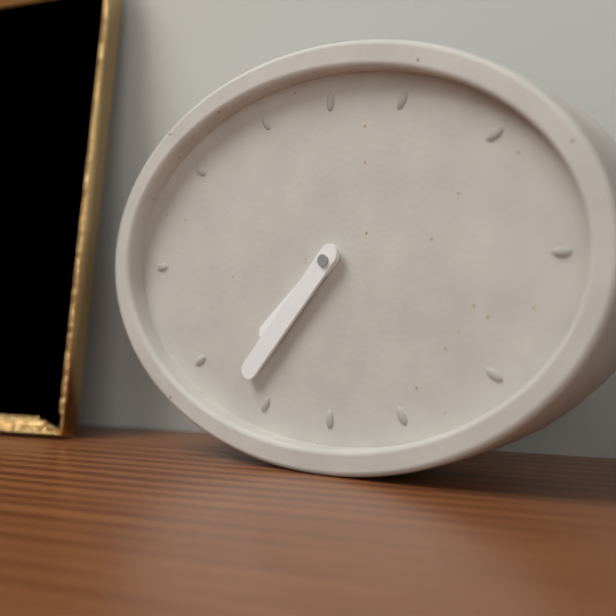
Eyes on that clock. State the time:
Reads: 7:37
